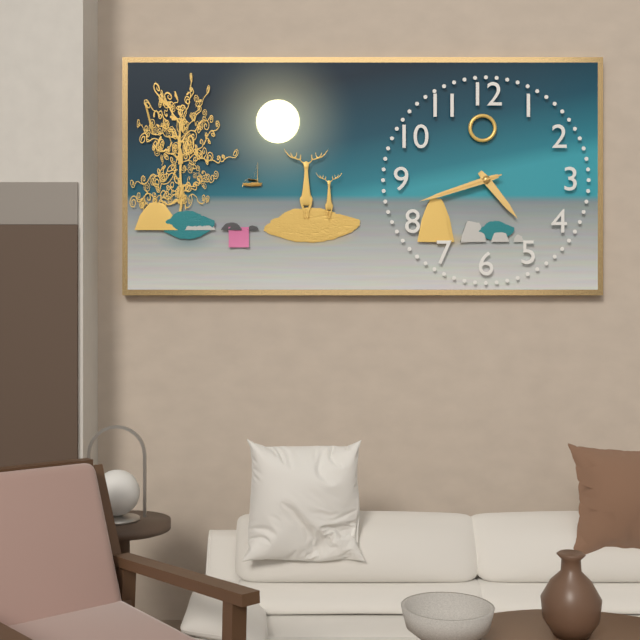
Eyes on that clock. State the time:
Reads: 4:42:42
